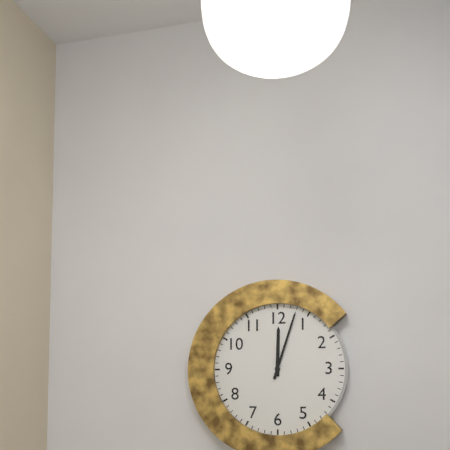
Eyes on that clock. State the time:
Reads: 12:03
